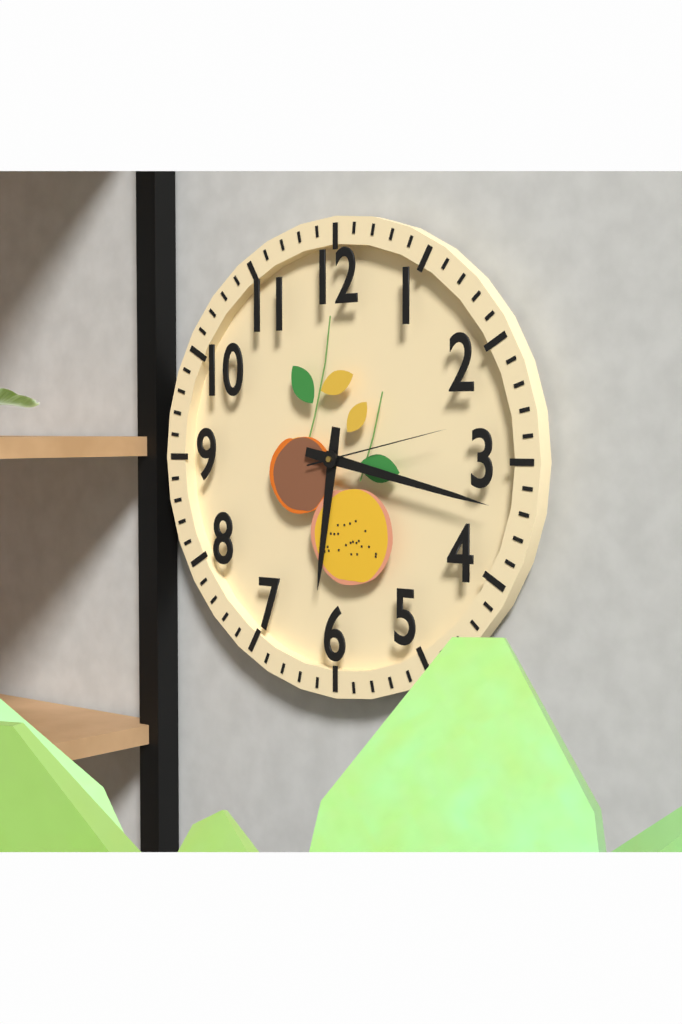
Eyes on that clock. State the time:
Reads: 6:17:13
